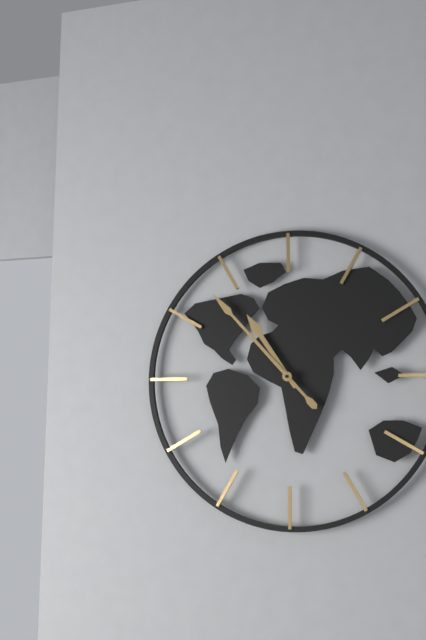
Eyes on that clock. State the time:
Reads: 10:53
